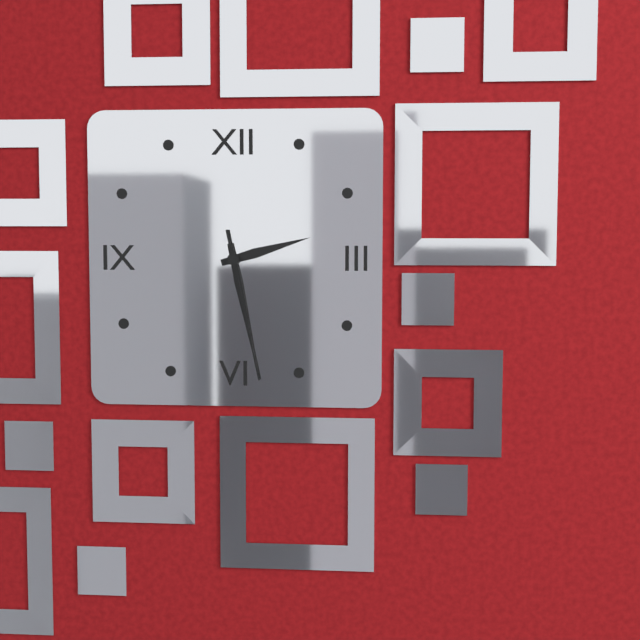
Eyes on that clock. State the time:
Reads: 2:28:28
